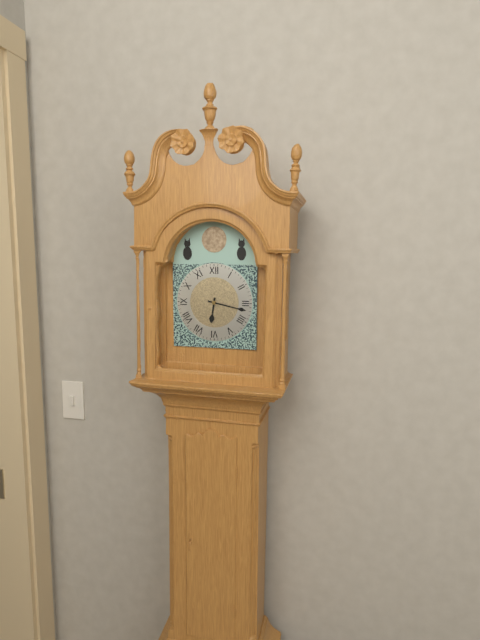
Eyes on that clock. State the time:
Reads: 6:17
